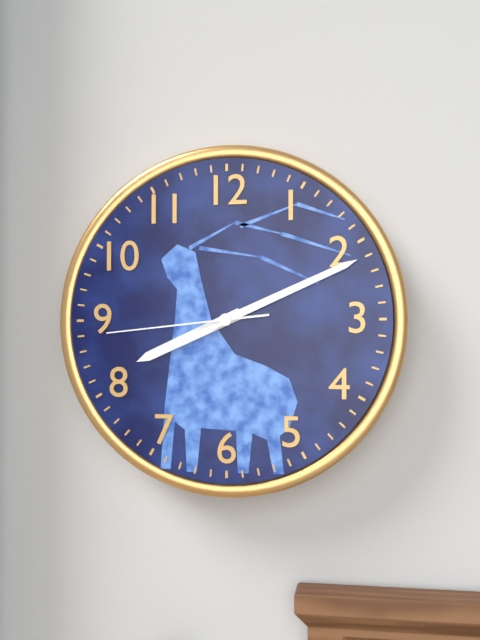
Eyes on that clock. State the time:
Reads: 8:11:44
